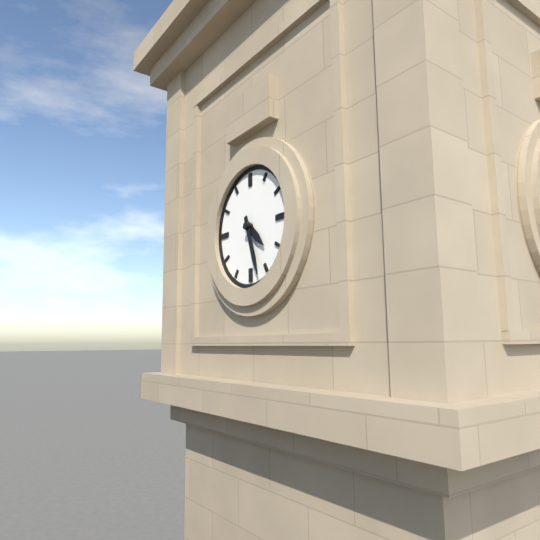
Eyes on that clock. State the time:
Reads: 4:27
